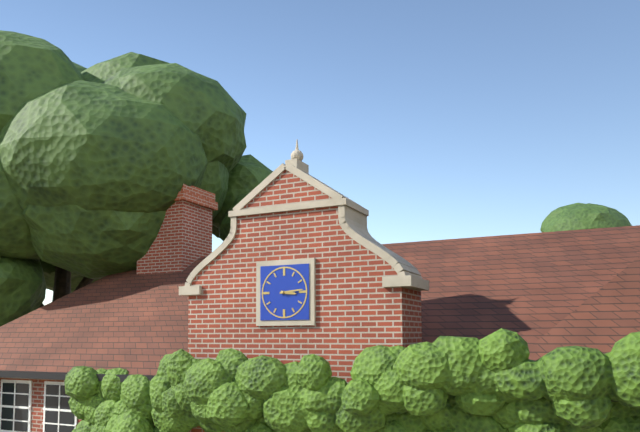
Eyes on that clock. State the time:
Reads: 3:14
